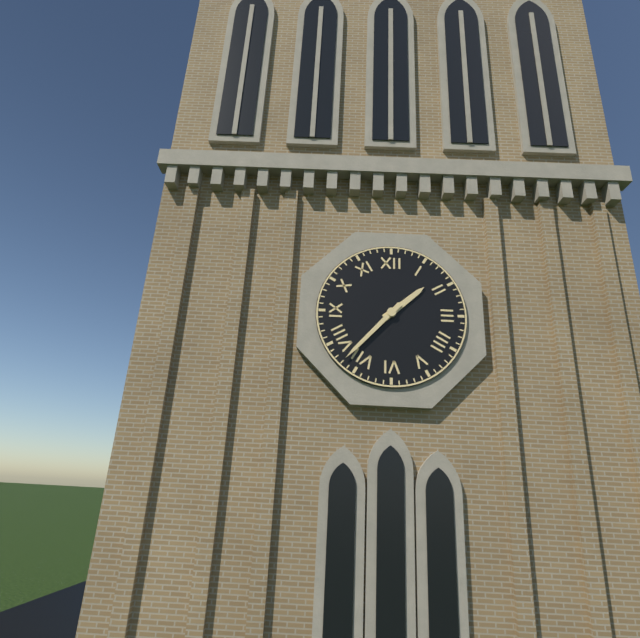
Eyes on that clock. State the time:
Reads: 1:37
